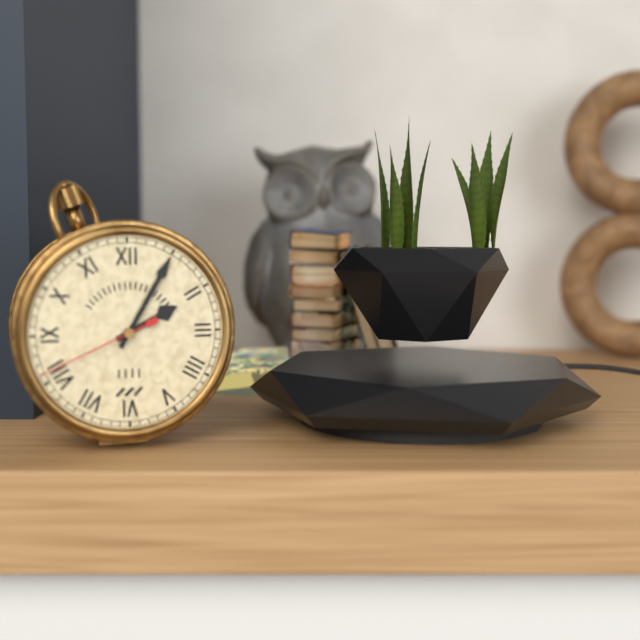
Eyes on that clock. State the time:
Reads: 2:05:41
